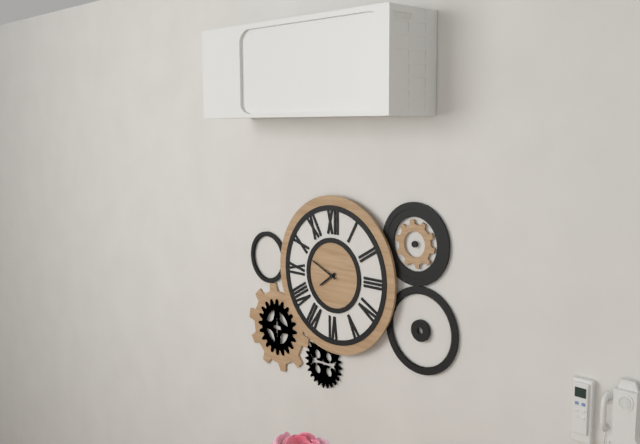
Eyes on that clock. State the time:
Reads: 7:49
